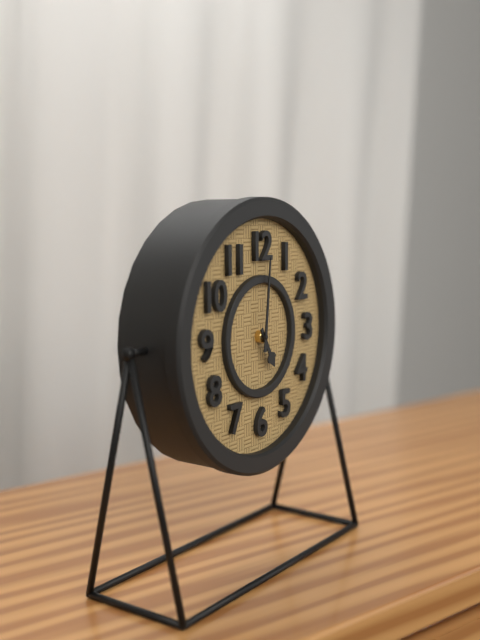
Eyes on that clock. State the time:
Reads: 5:01
